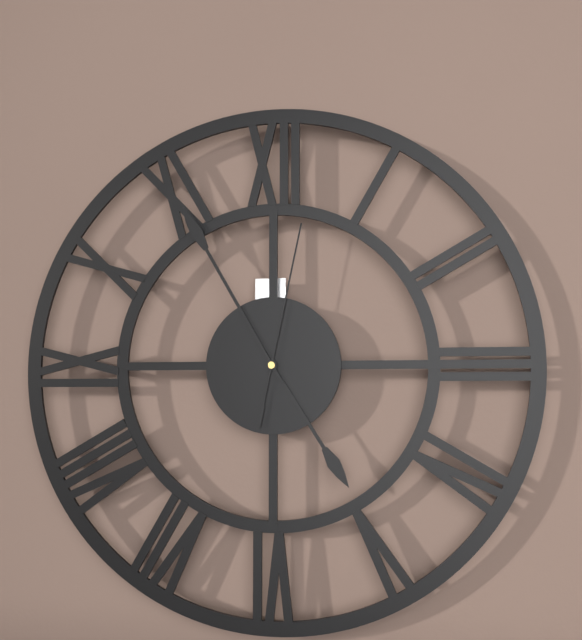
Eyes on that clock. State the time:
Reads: 4:55:02
